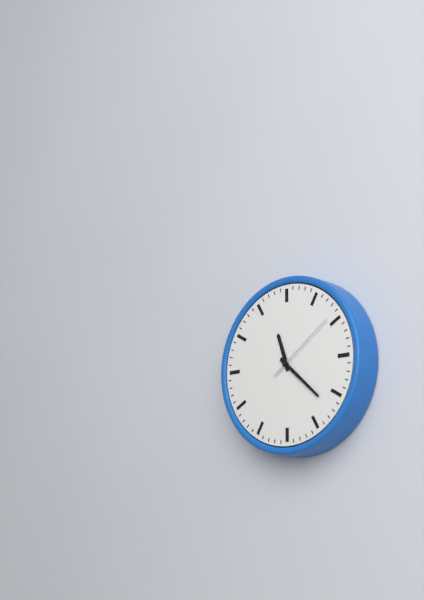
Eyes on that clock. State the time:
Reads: 11:22:09
